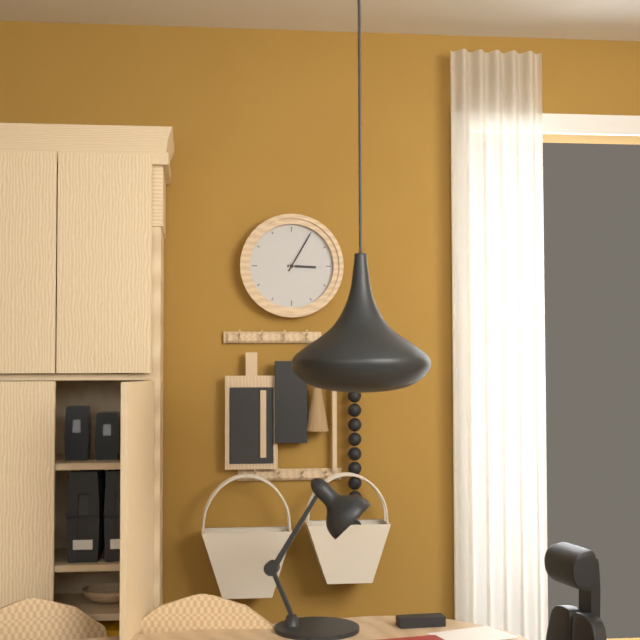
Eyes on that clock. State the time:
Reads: 3:05
